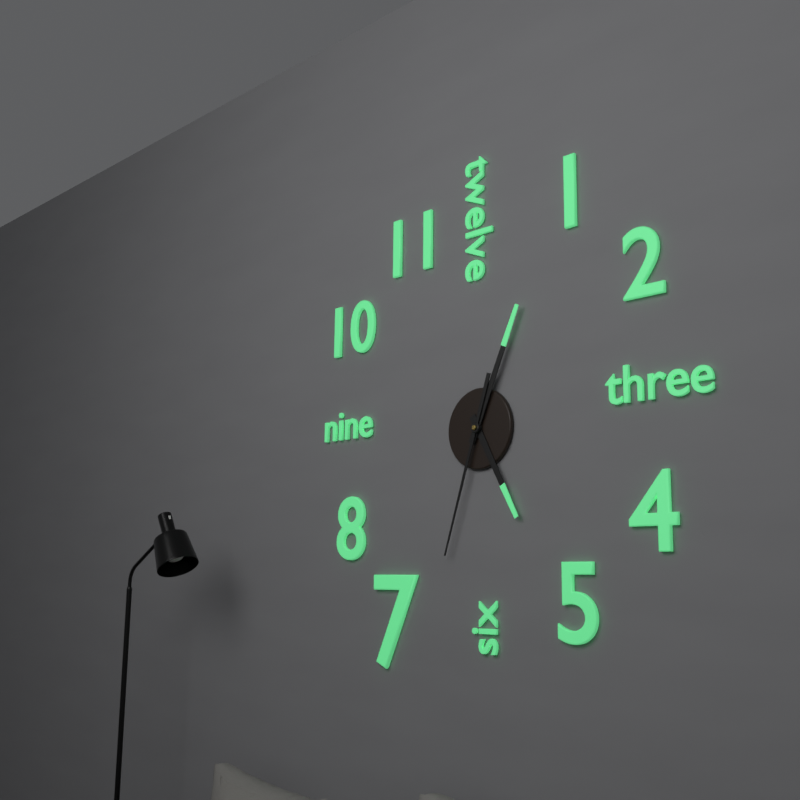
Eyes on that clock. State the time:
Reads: 5:04:33
